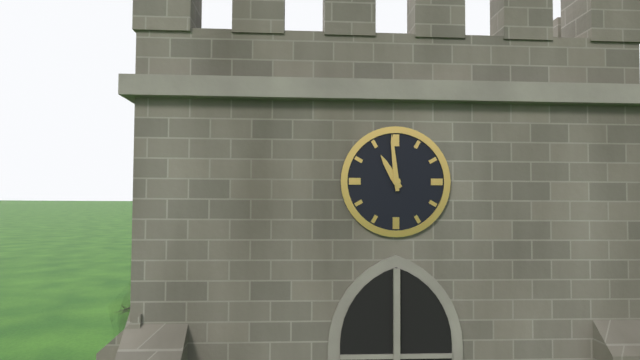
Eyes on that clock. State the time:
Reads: 10:59
